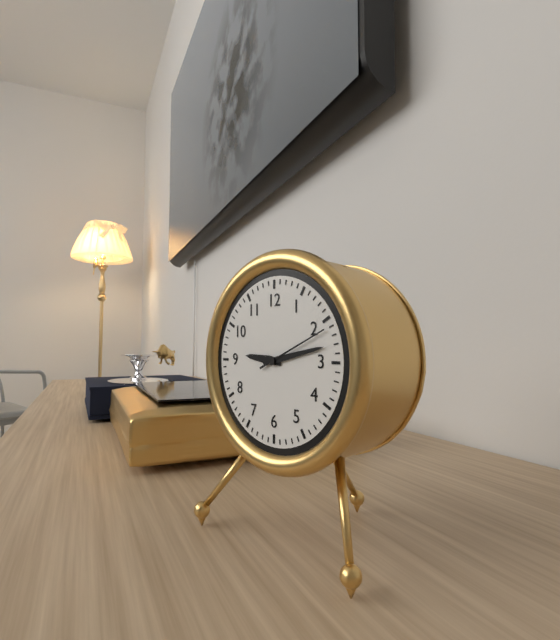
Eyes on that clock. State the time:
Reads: 9:13:11
